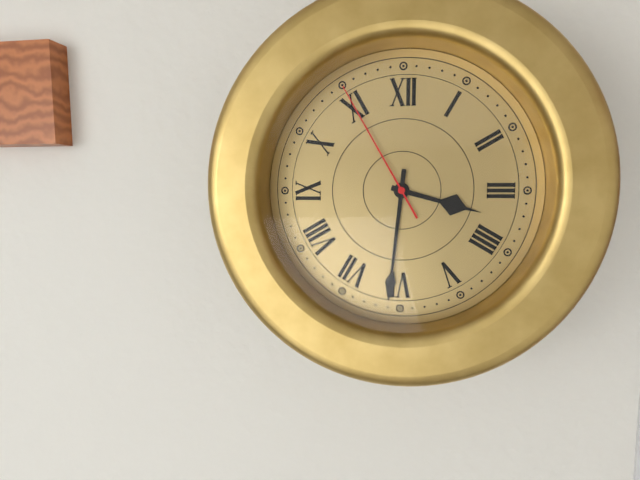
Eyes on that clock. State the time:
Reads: 3:31:55
